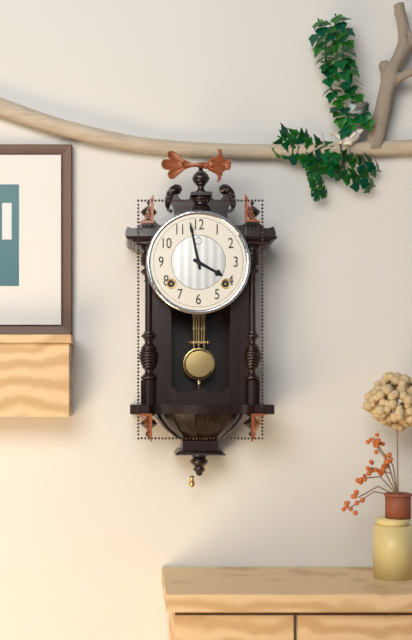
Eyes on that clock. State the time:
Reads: 3:58
